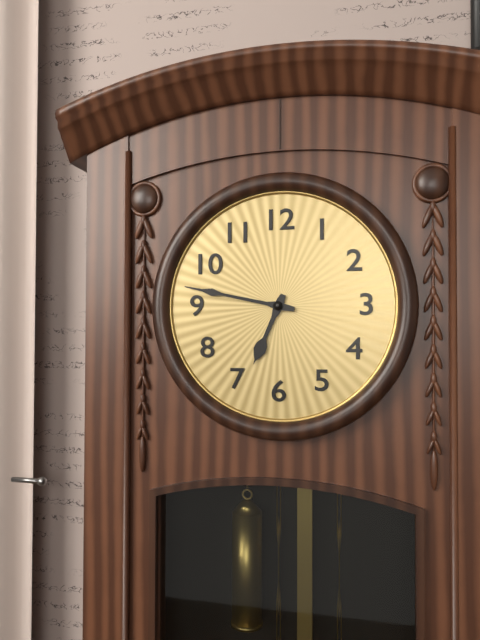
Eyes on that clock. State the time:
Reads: 6:47
